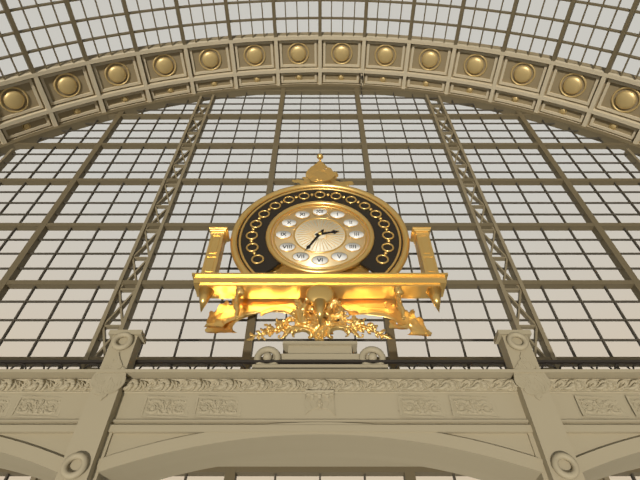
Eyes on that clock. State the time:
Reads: 2:35
